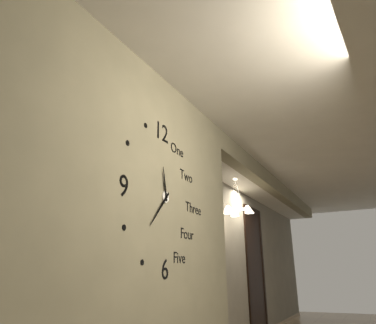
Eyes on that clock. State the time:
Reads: 11:37
